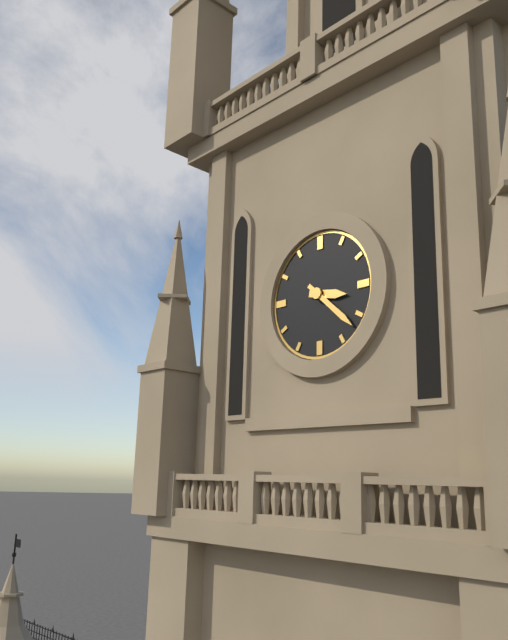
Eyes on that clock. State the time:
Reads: 3:22
